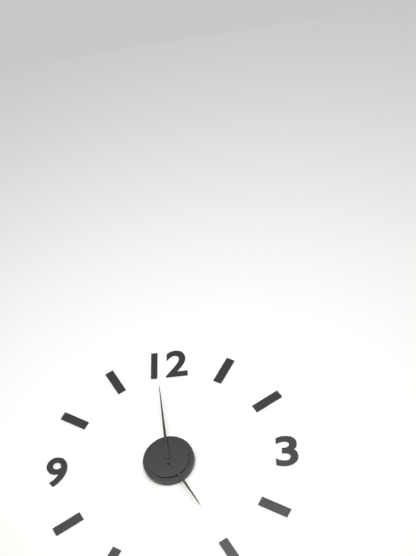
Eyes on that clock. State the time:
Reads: 4:59
